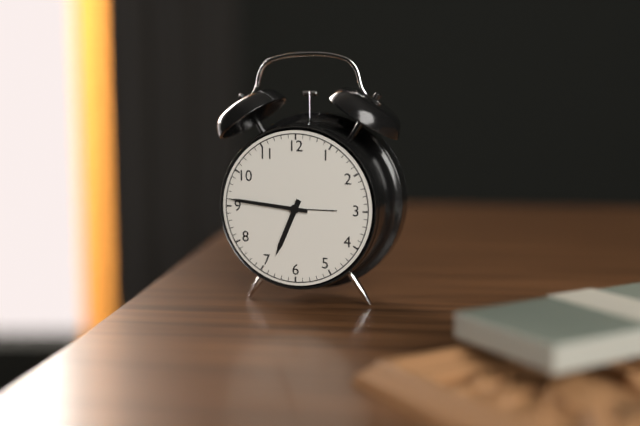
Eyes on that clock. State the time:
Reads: 6:46
